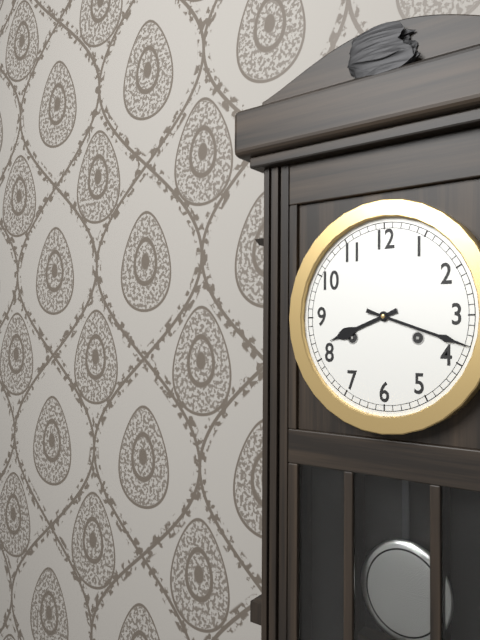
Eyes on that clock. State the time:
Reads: 8:18
